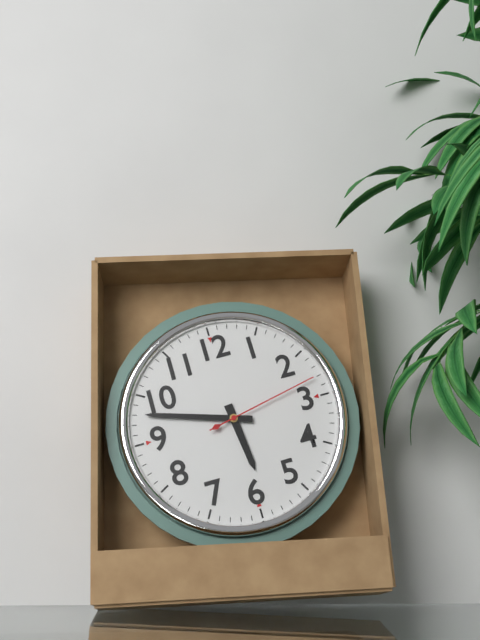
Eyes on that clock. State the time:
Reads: 5:48:13
